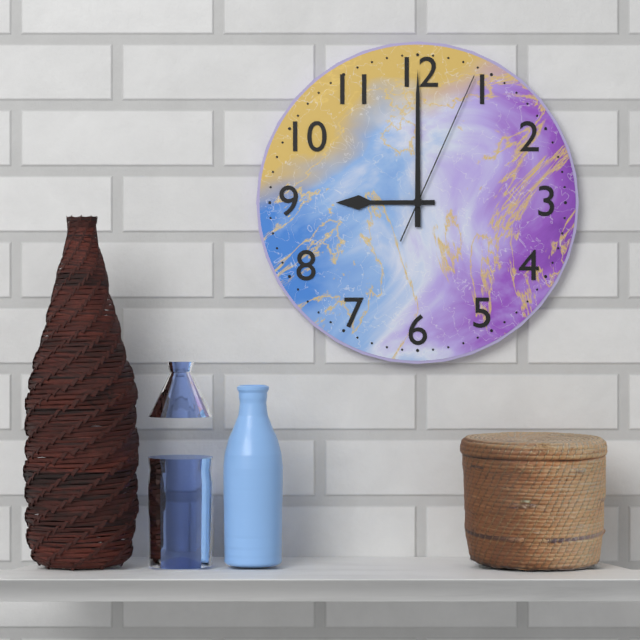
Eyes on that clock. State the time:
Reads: 9:00:04
